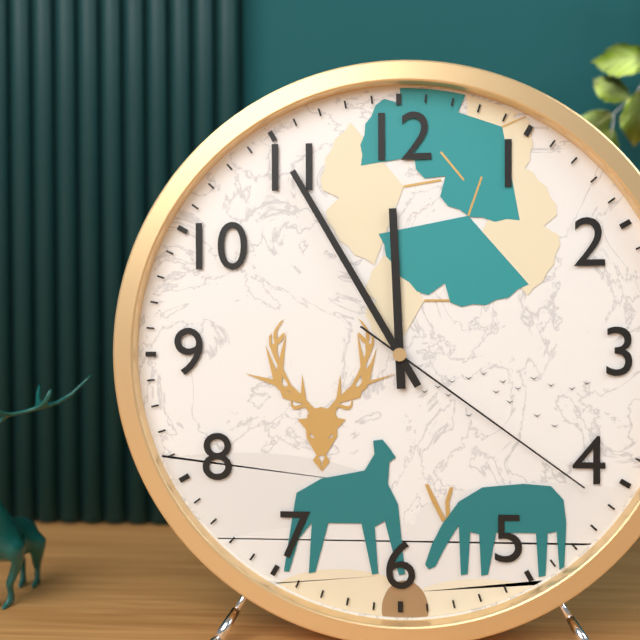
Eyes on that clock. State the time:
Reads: 11:55:21
